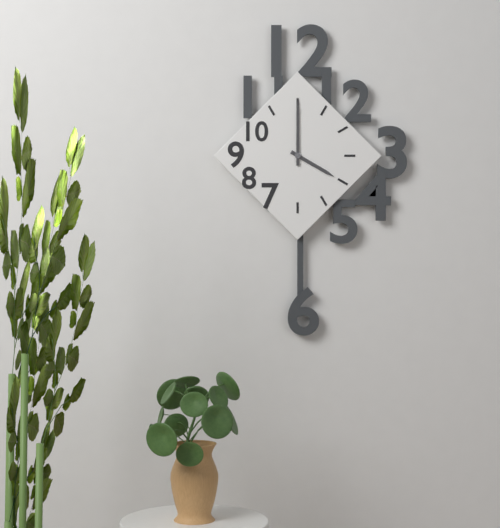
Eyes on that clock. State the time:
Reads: 4:00
